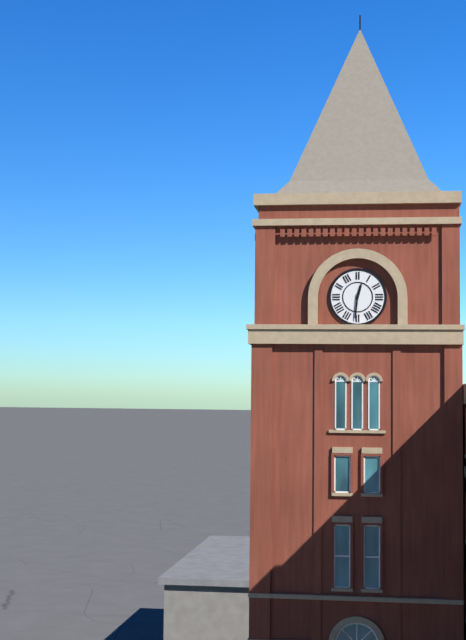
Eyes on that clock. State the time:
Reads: 12:31
